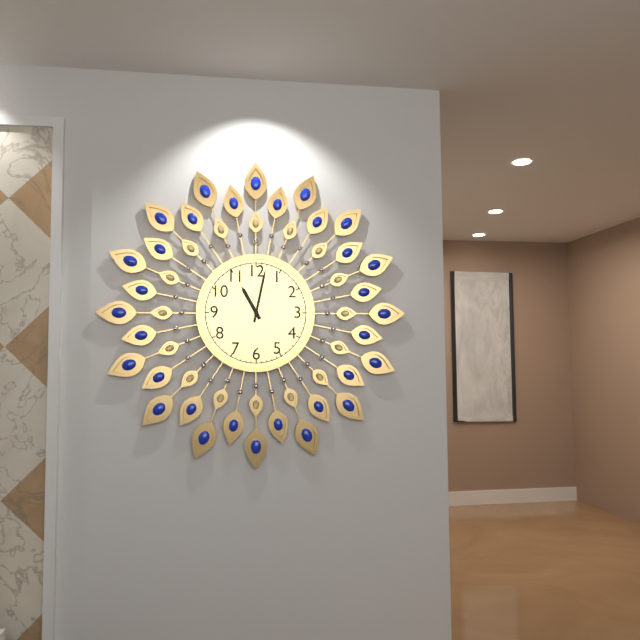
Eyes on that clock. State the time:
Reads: 11:02
